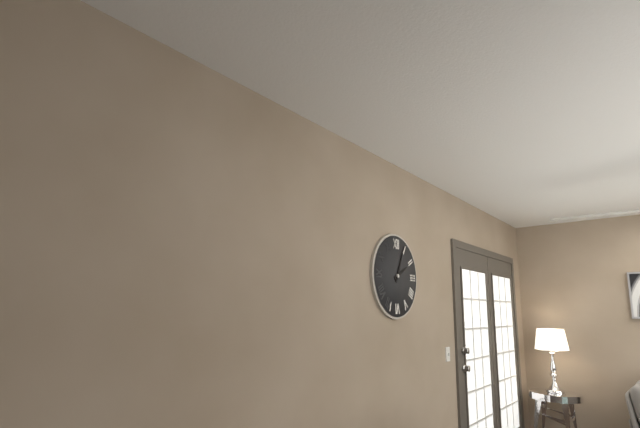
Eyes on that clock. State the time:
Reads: 2:04
